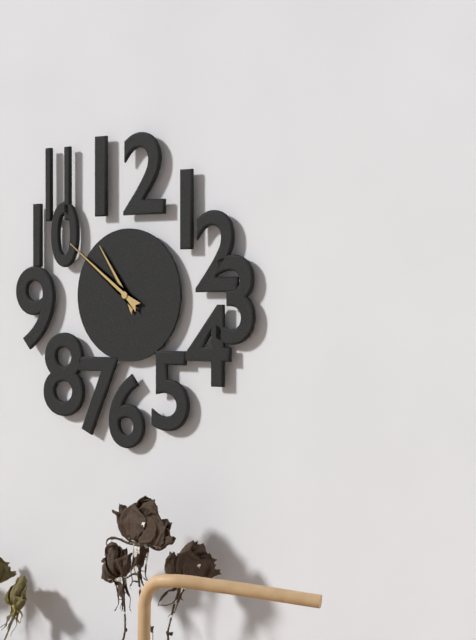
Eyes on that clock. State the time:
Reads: 10:51
